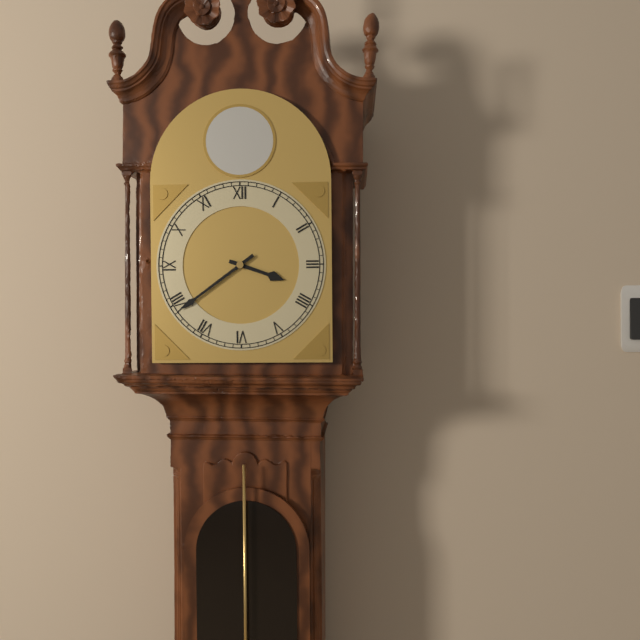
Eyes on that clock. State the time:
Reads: 3:39
